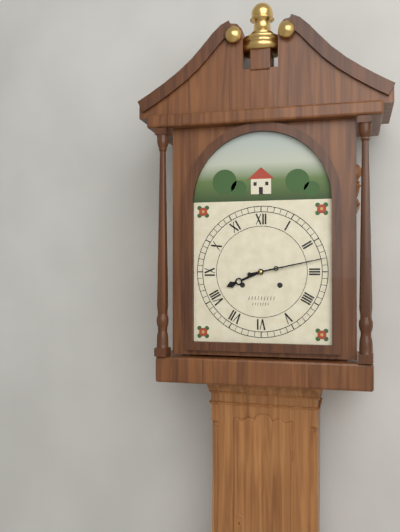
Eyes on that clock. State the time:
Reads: 8:13
